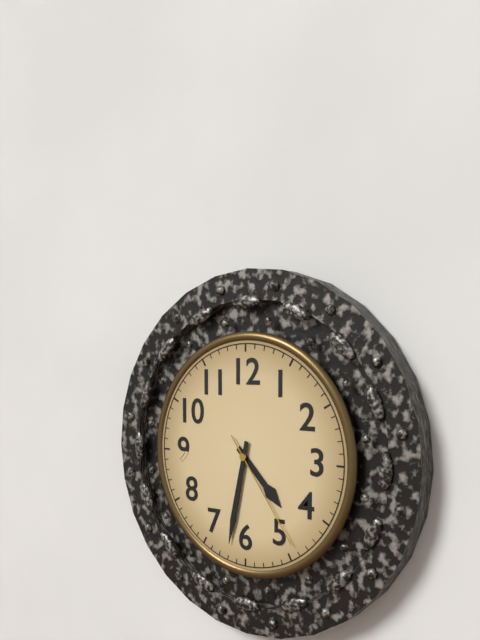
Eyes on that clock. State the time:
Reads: 4:32:24
